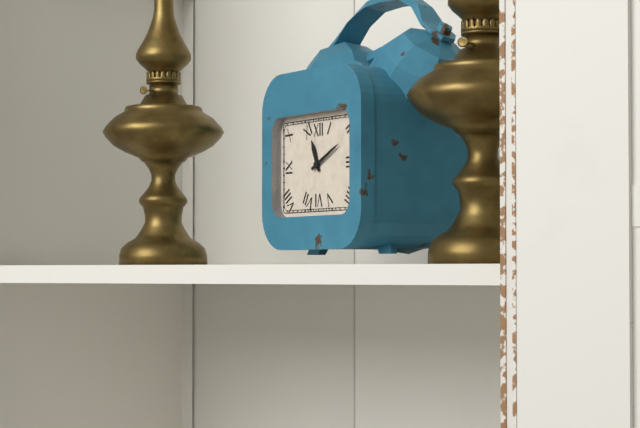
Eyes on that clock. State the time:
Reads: 11:11
